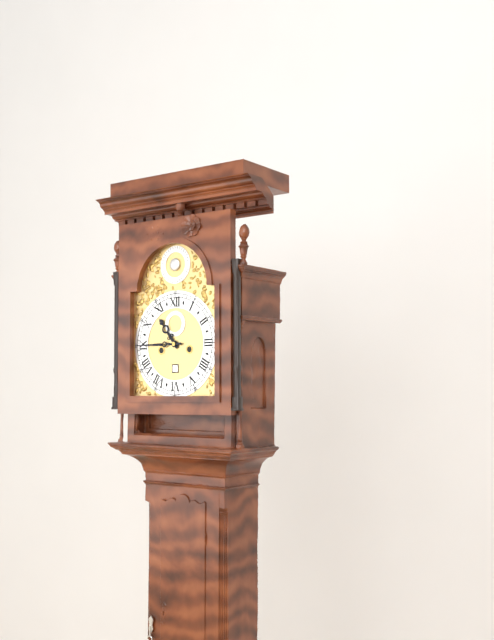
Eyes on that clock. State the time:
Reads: 10:45
